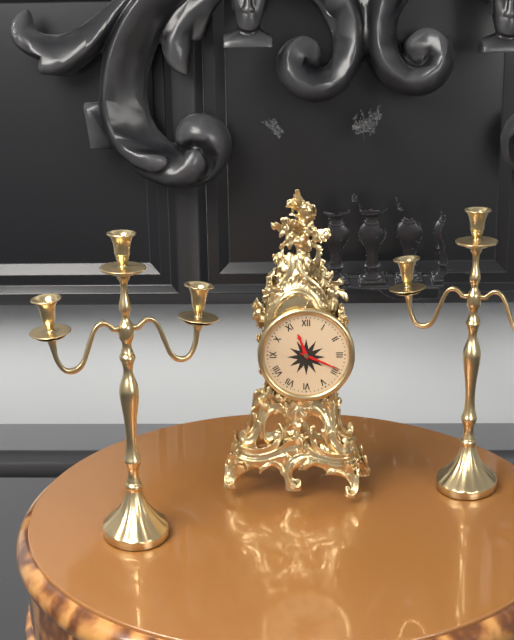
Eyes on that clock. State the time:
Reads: 11:19
